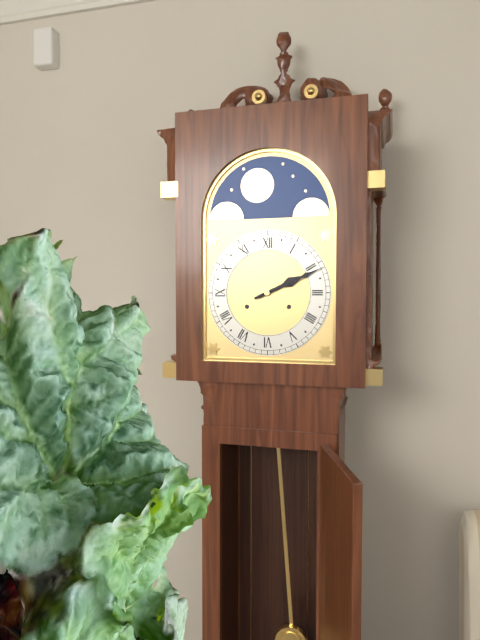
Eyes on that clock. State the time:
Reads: 2:11
